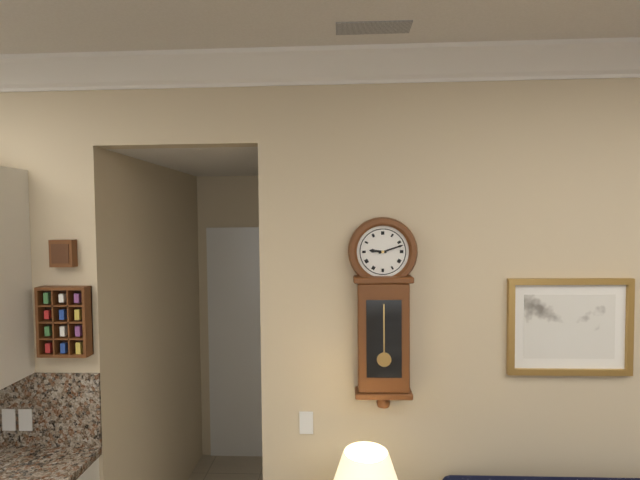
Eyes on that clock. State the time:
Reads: 9:12
